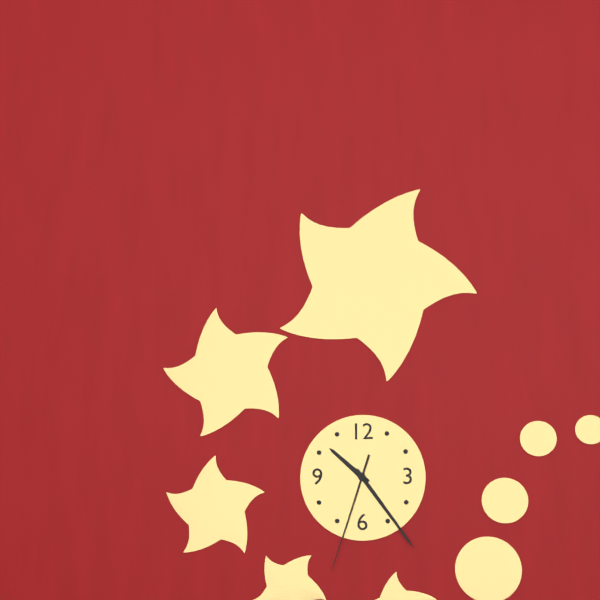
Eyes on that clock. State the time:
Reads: 10:24:33
